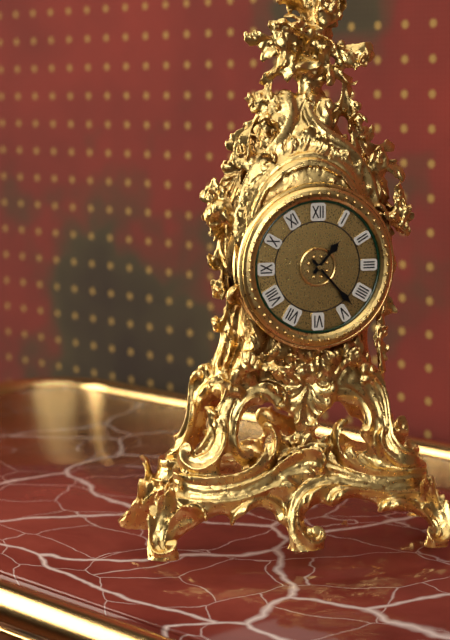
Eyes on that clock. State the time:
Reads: 1:23
